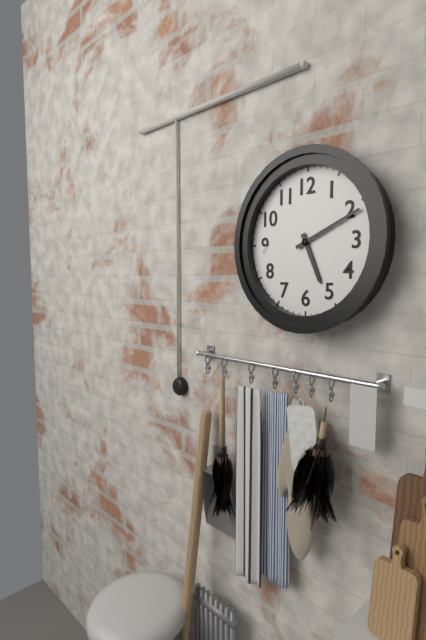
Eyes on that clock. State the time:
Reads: 5:11
